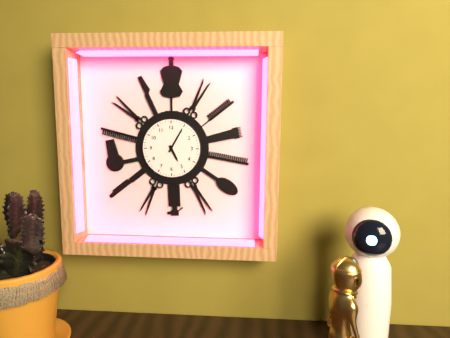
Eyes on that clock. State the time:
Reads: 5:05
